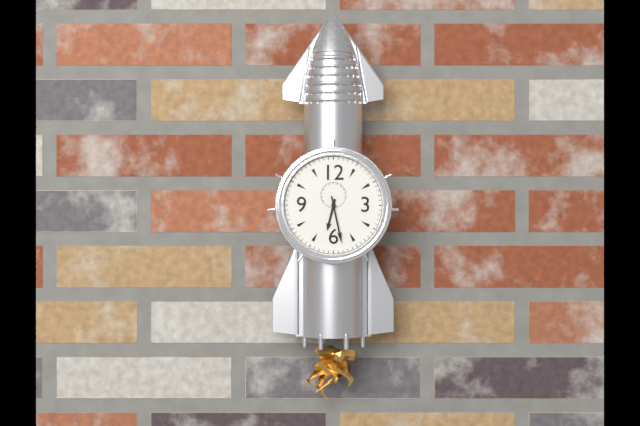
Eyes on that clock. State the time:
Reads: 6:28
